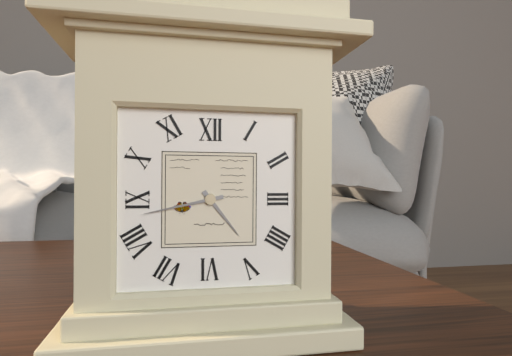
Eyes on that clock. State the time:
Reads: 4:43
